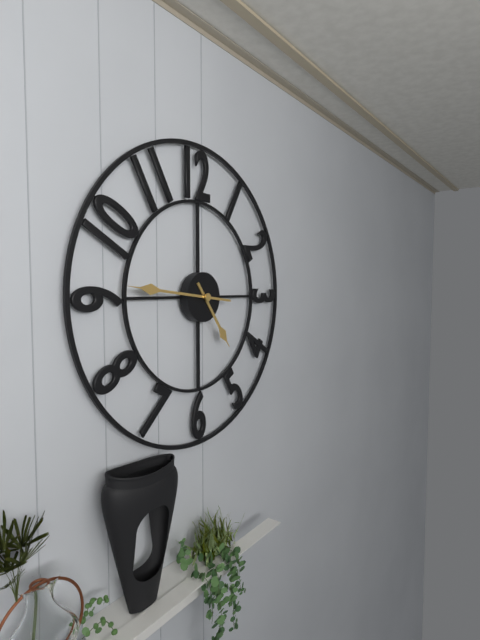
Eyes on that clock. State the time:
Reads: 4:46
